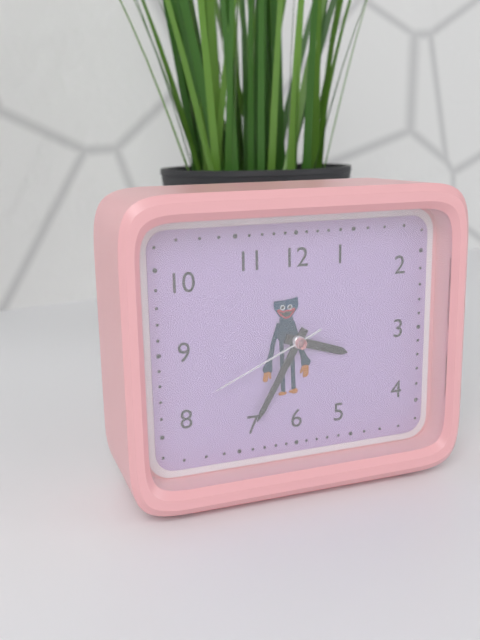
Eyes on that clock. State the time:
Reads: 3:35:41
